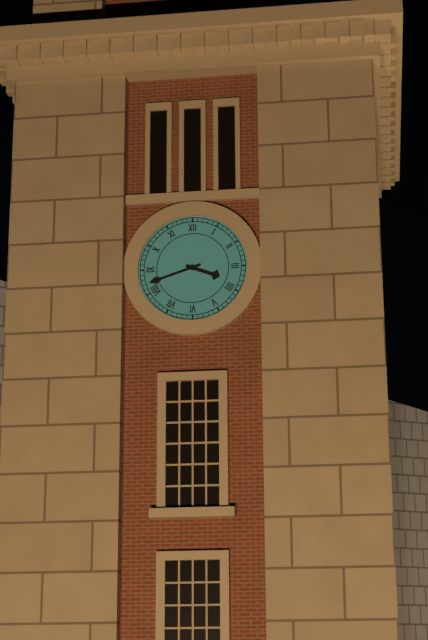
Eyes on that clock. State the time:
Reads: 3:42
